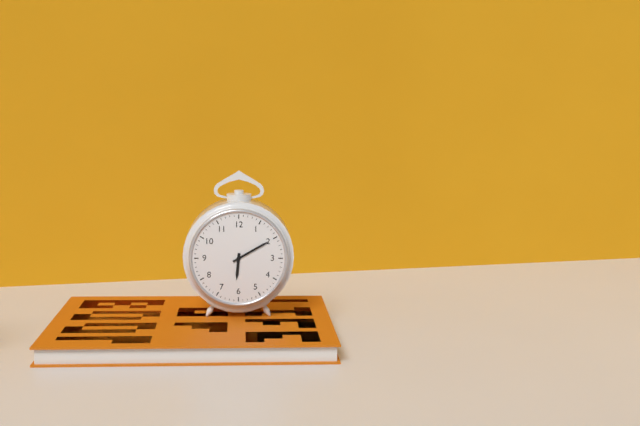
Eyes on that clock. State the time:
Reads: 6:10
